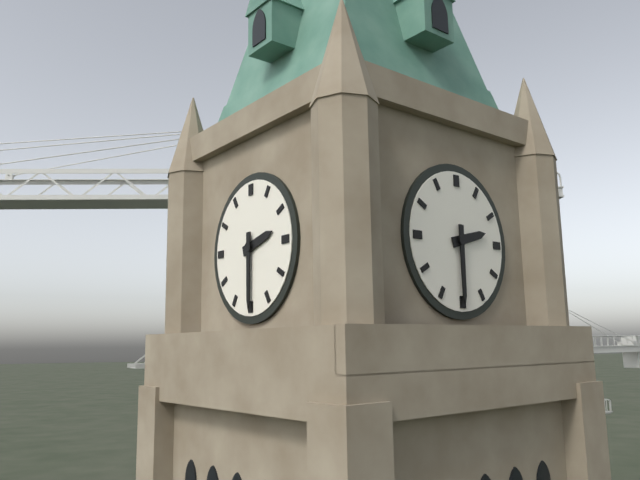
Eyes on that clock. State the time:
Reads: 2:30
